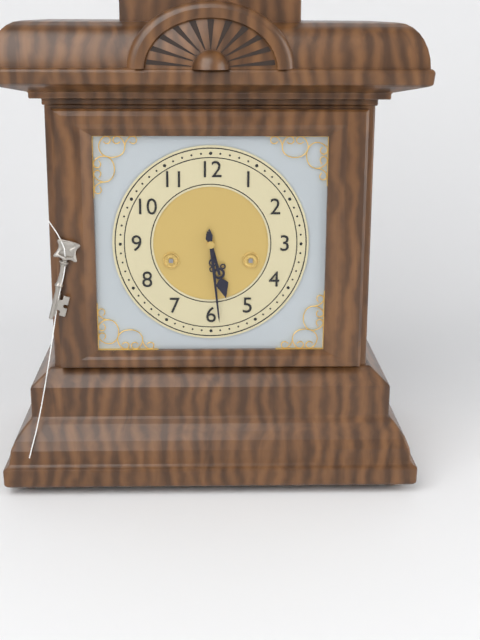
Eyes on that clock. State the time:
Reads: 5:29
